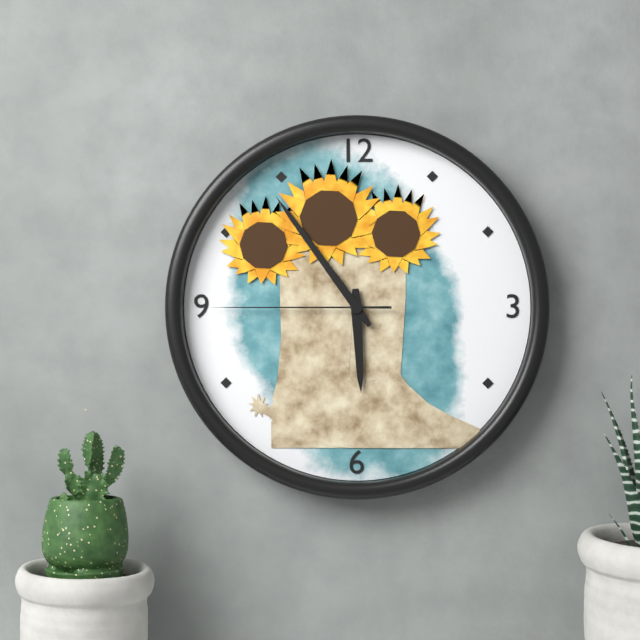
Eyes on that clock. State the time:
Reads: 5:54:45
